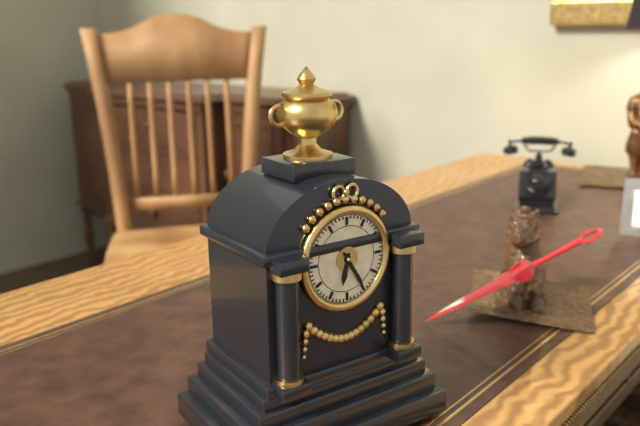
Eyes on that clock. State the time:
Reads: 6:25
